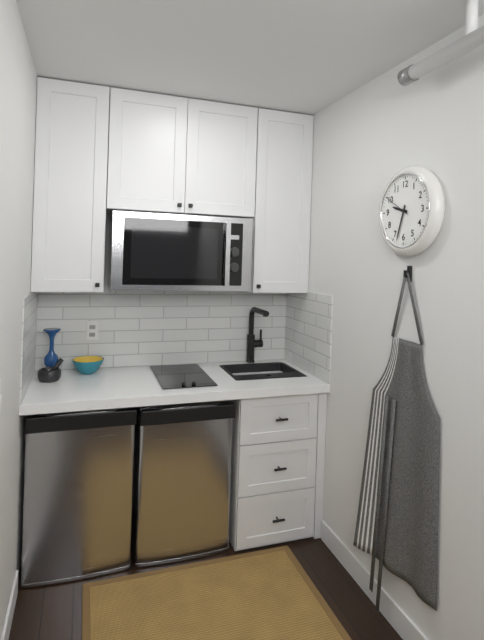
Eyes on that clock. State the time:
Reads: 9:33
